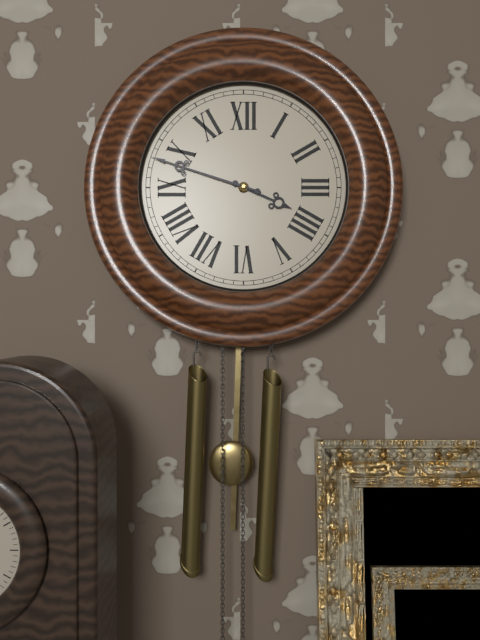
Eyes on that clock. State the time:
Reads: 3:48
